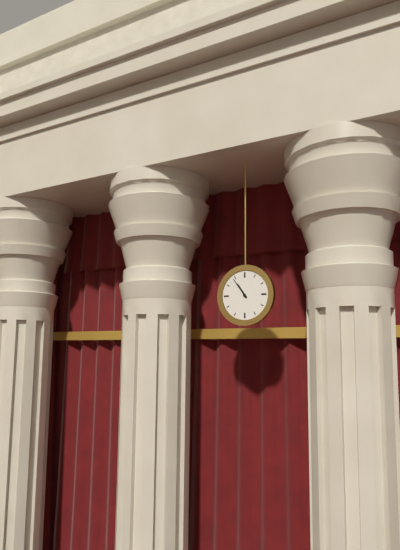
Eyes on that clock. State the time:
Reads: 10:54
